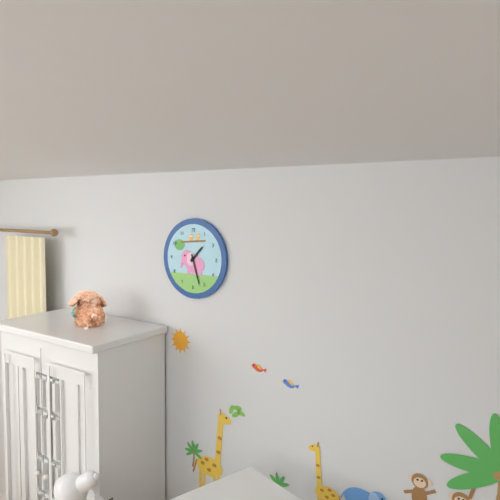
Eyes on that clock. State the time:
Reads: 1:27
